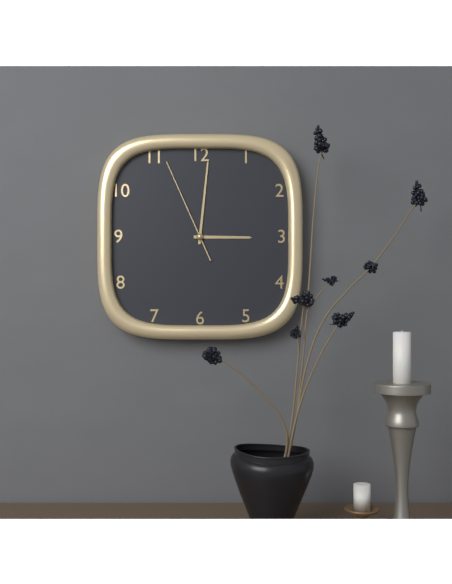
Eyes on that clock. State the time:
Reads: 3:01:56
